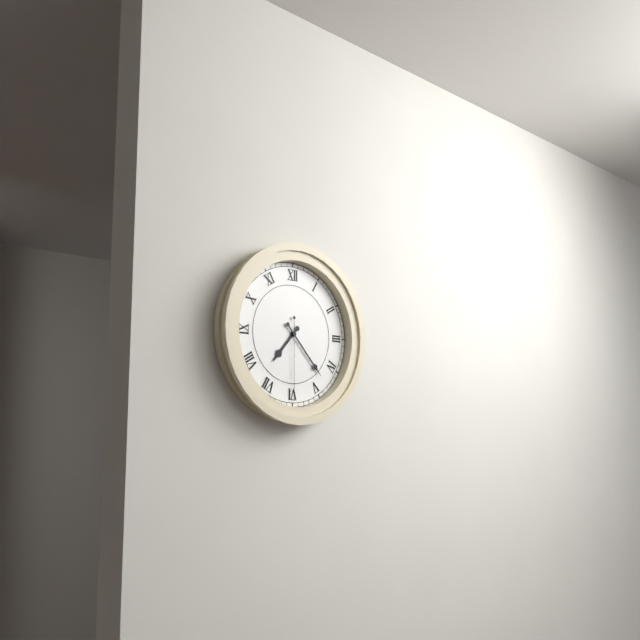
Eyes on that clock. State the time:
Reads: 7:23:30
